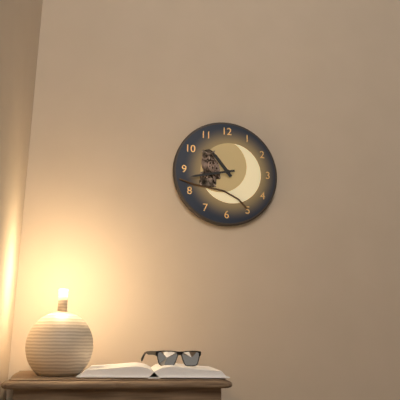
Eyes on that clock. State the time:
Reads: 10:43
